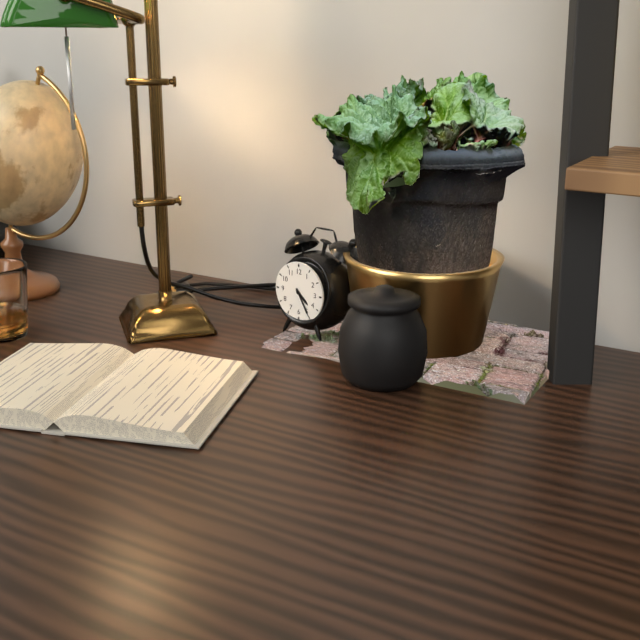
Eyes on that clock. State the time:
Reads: 4:25
